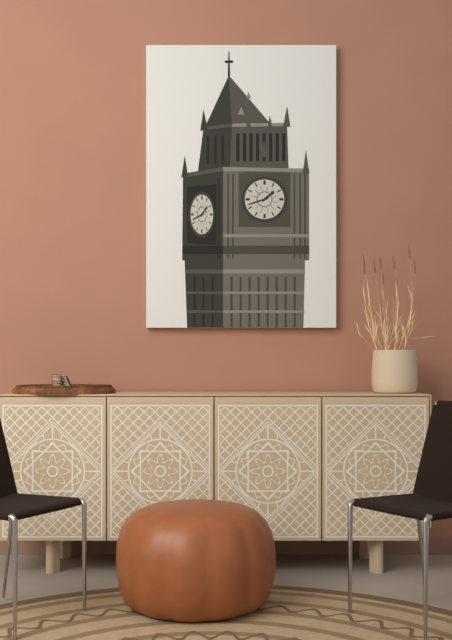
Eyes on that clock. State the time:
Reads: 1:42
